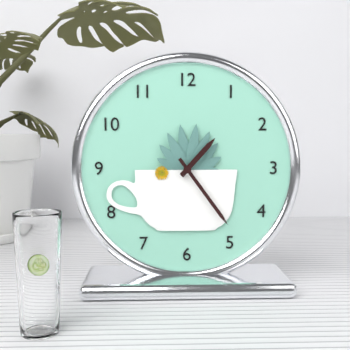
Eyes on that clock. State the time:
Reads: 1:24
